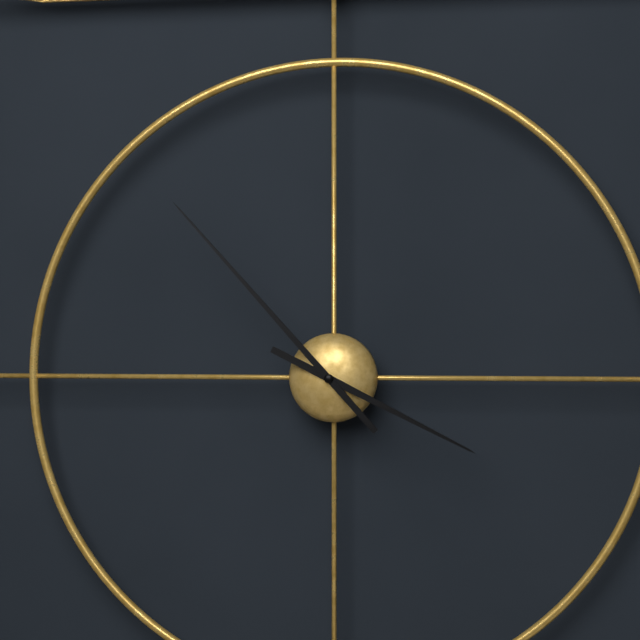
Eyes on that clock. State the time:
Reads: 3:53
